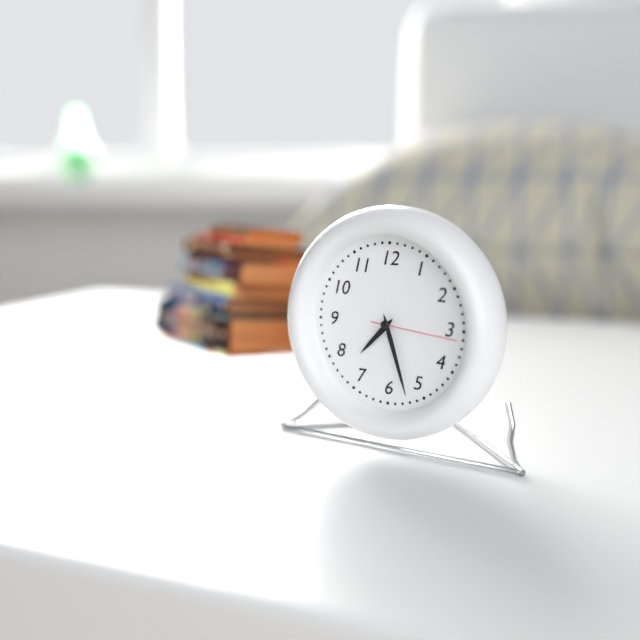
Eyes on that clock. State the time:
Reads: 7:27:16
